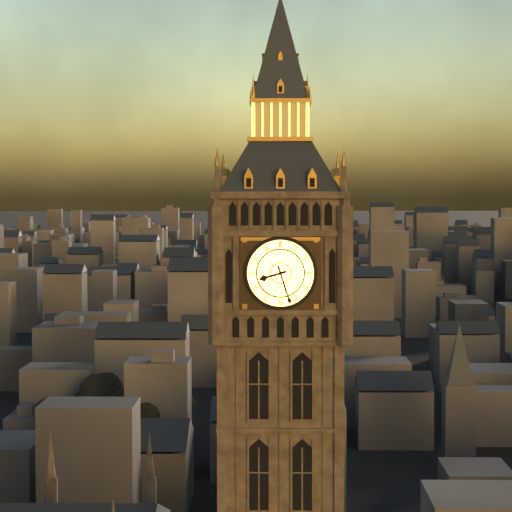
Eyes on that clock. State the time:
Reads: 8:27
